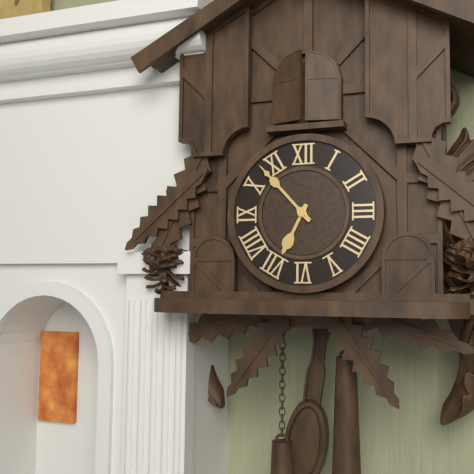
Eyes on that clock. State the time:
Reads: 6:53
